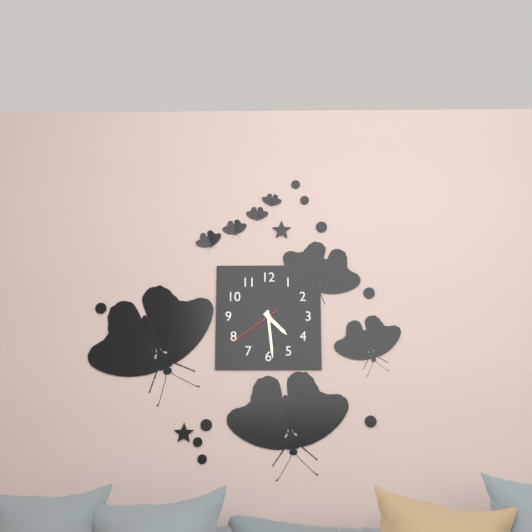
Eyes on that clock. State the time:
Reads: 4:29:39
